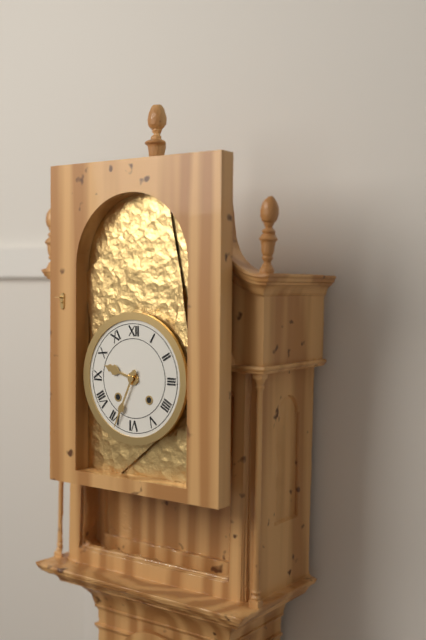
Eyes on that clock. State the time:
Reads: 9:34
